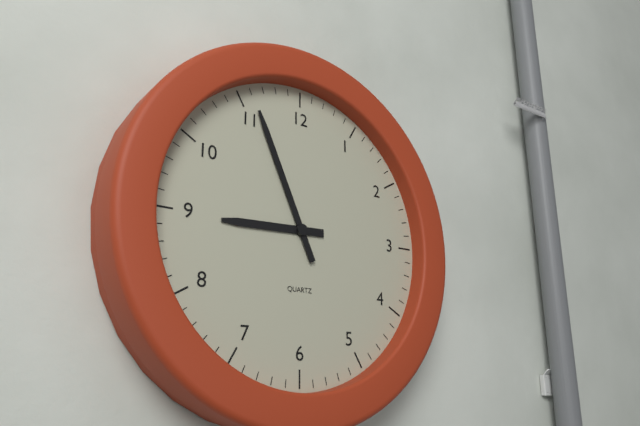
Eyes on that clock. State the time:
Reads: 8:56
